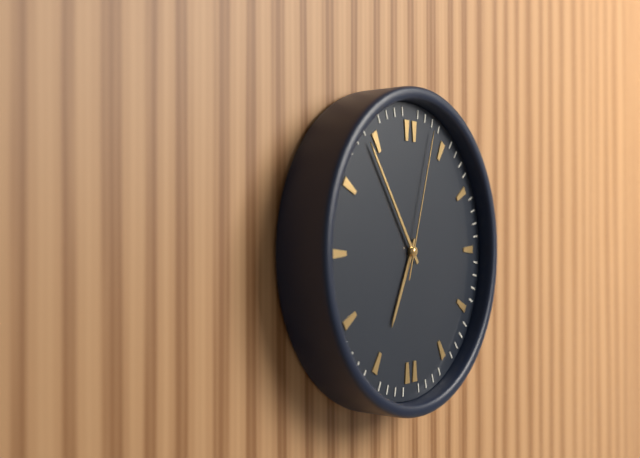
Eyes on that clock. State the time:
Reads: 6:54:03
